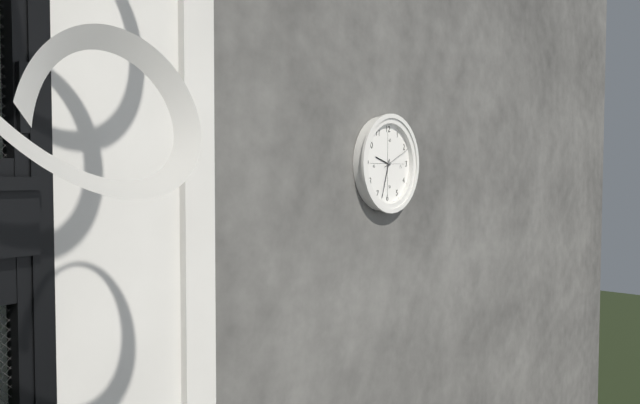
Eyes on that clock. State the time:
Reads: 9:33
